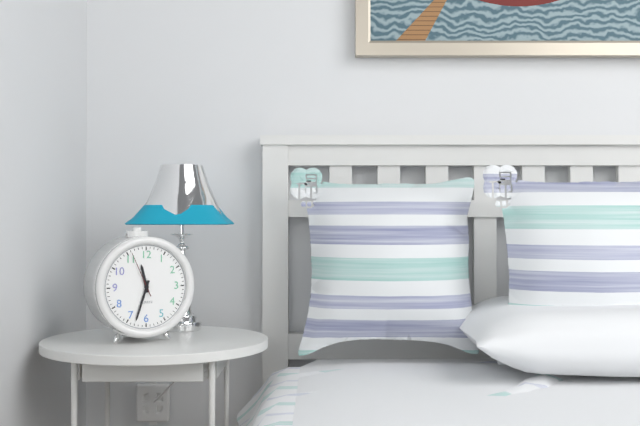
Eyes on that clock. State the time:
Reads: 11:33
